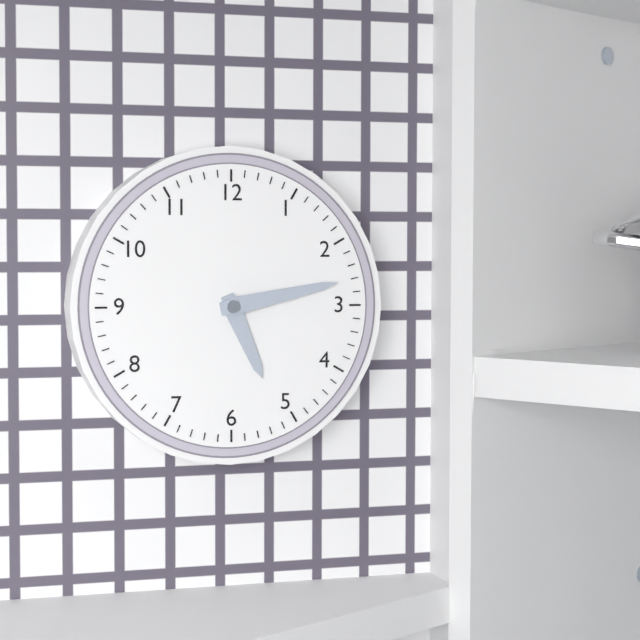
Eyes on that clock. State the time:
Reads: 5:13
